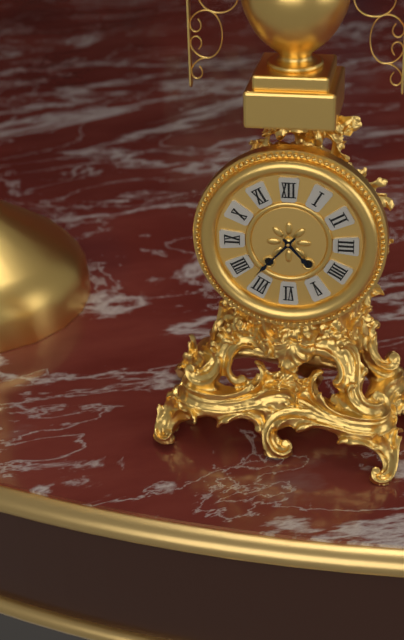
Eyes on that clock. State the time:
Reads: 4:37
